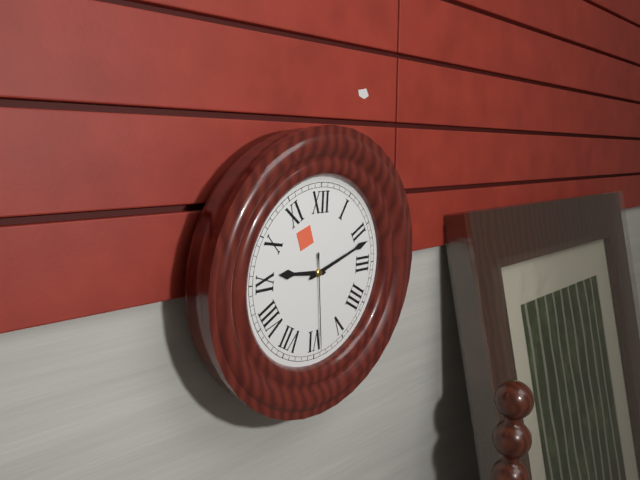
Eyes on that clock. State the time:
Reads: 9:12:29
